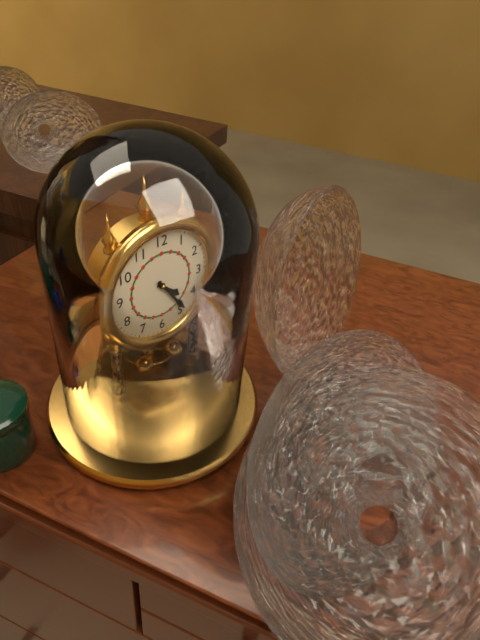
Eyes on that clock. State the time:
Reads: 4:24
